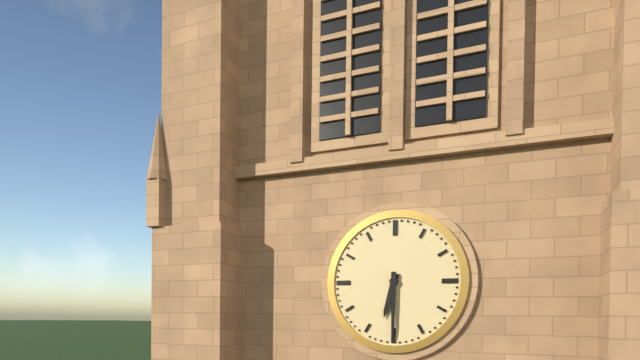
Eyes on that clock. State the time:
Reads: 6:30
